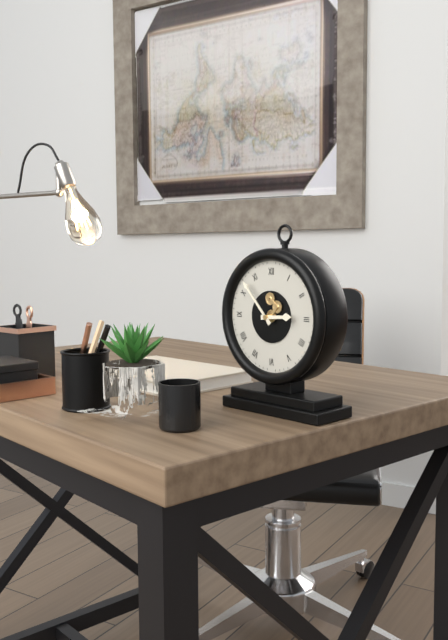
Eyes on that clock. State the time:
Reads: 2:53
